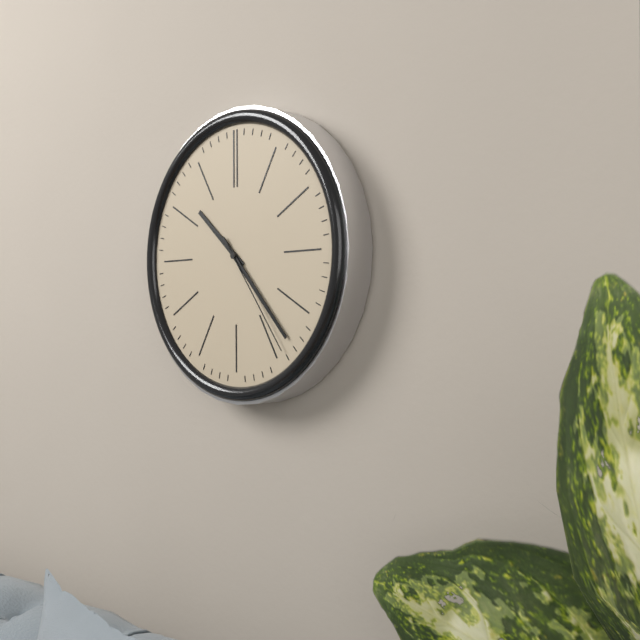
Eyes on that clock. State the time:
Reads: 10:23:24
